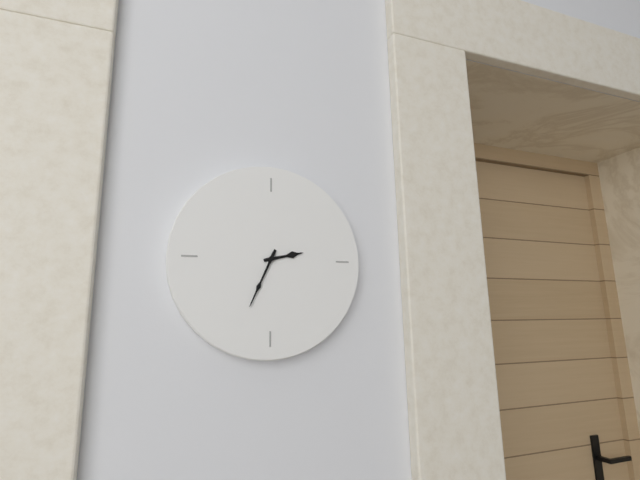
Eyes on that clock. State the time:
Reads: 2:34
